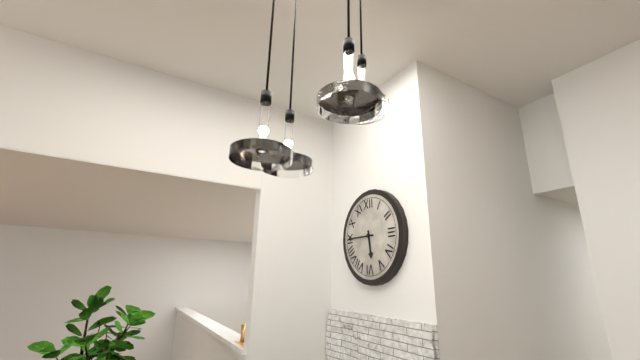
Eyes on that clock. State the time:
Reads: 5:45
